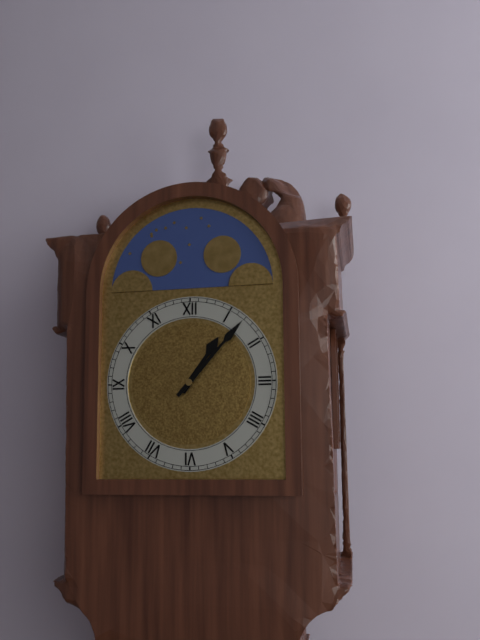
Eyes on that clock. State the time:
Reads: 1:07
